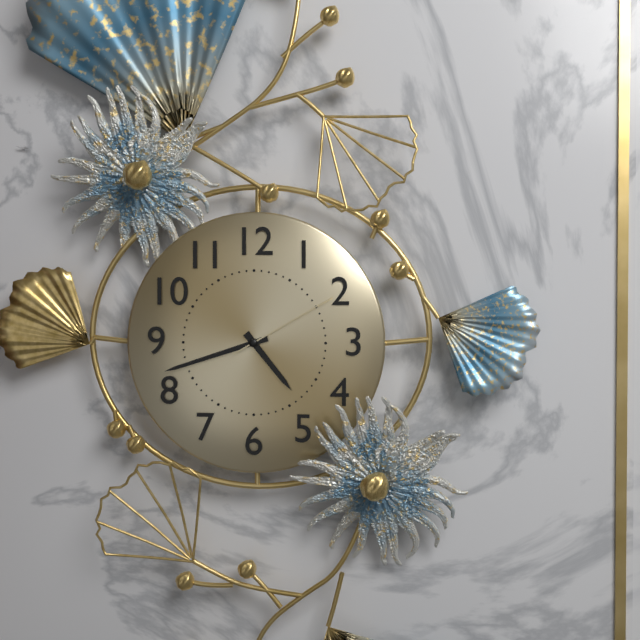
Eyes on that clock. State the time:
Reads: 4:42:10
